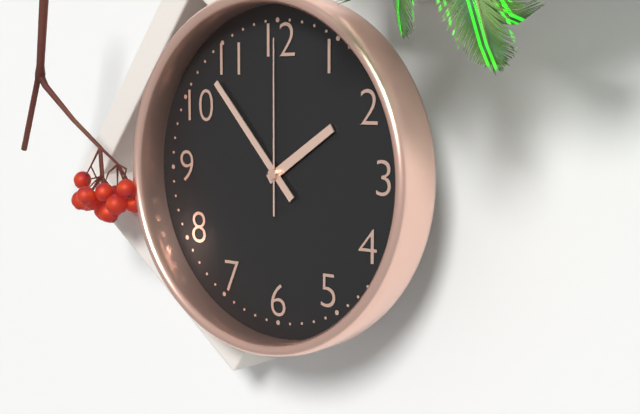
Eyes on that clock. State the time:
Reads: 1:53:00
